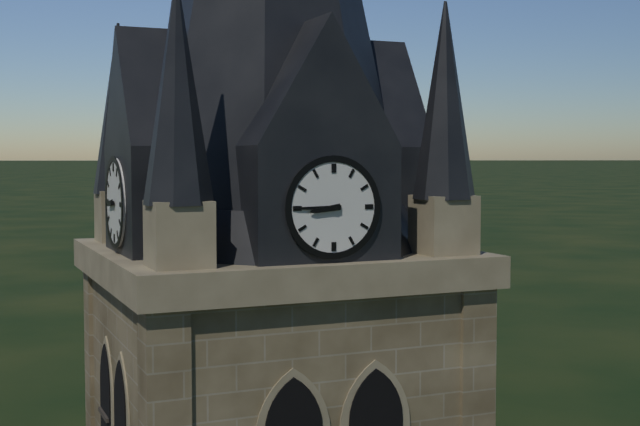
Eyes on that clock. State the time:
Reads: 8:45
